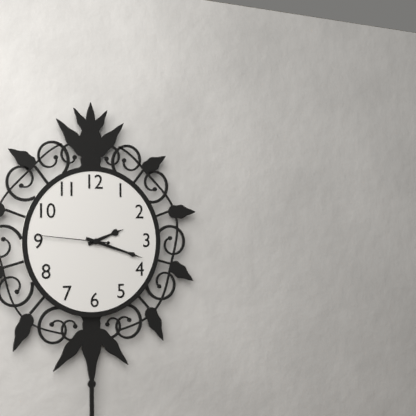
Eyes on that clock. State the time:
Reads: 2:18:46
